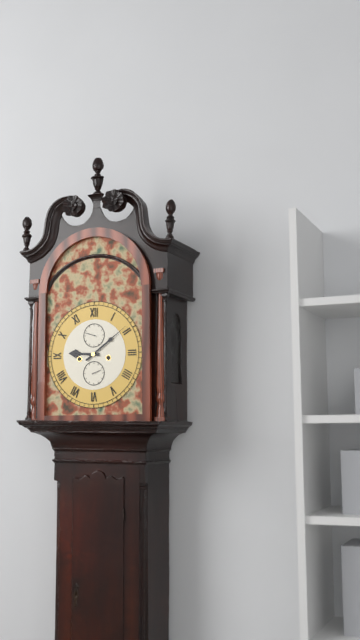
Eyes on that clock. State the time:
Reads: 9:09
